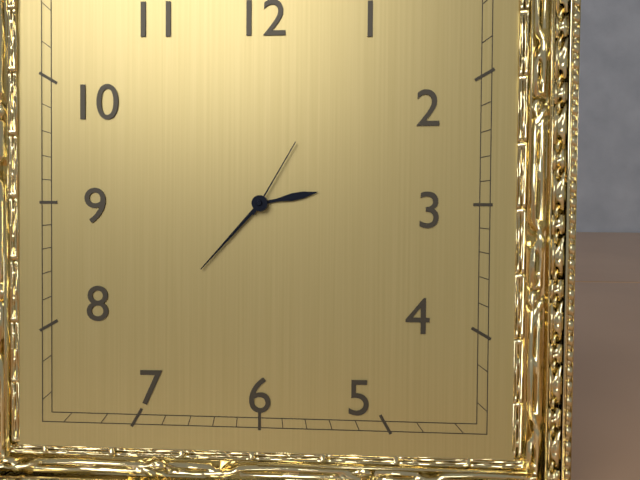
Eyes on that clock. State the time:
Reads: 2:37:05
